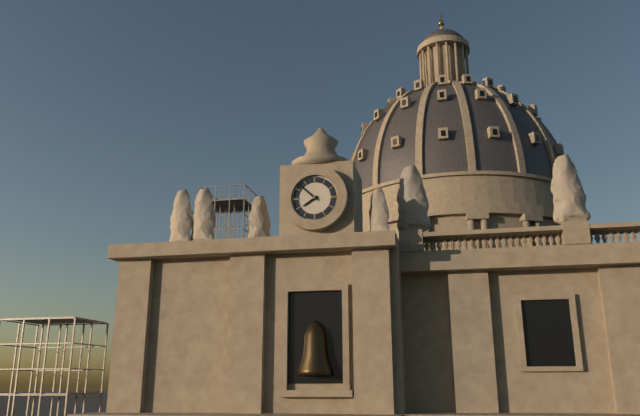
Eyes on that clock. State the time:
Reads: 7:52
